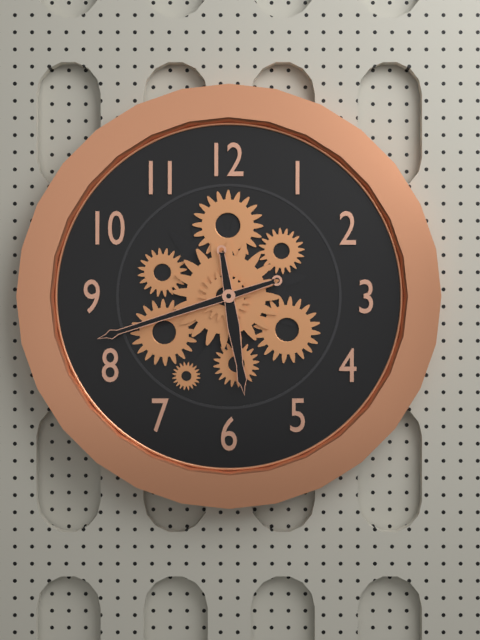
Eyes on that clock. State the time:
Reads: 5:42
